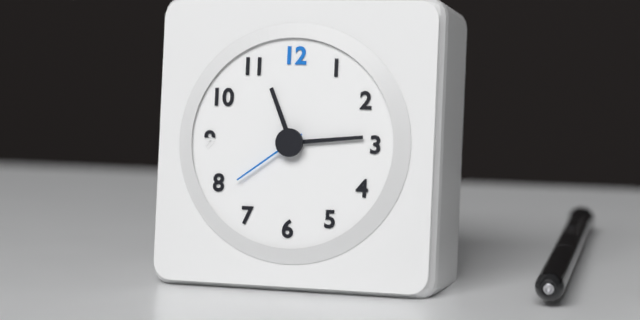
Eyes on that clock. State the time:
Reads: 11:14:39
